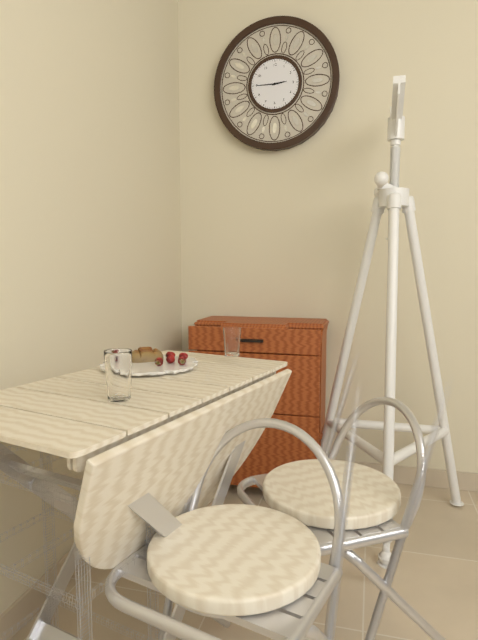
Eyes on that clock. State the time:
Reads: 2:45
